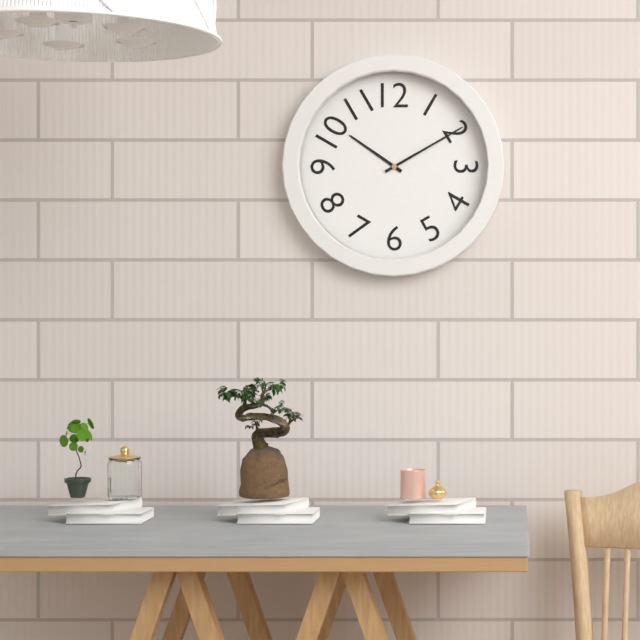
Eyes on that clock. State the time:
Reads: 10:10
